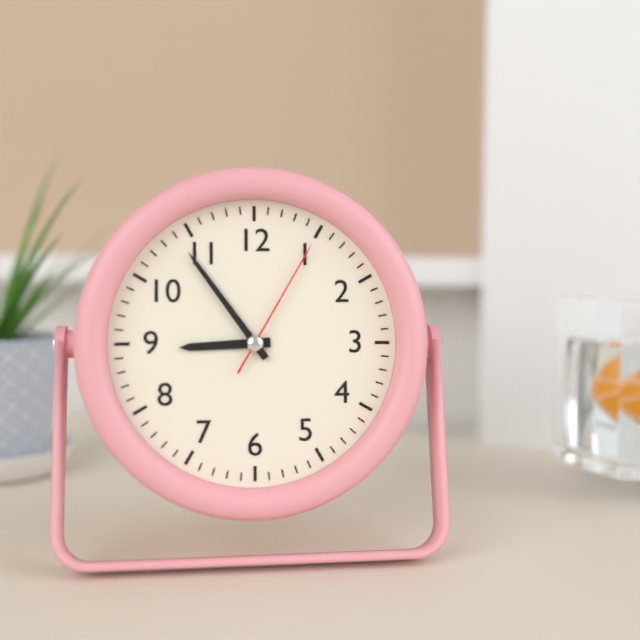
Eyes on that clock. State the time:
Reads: 8:54:05
